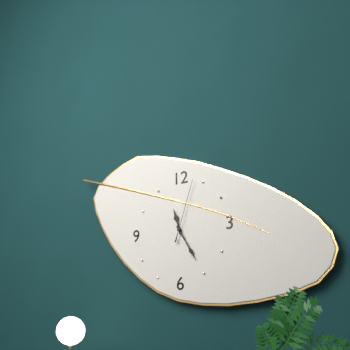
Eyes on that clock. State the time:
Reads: 11:25:03
